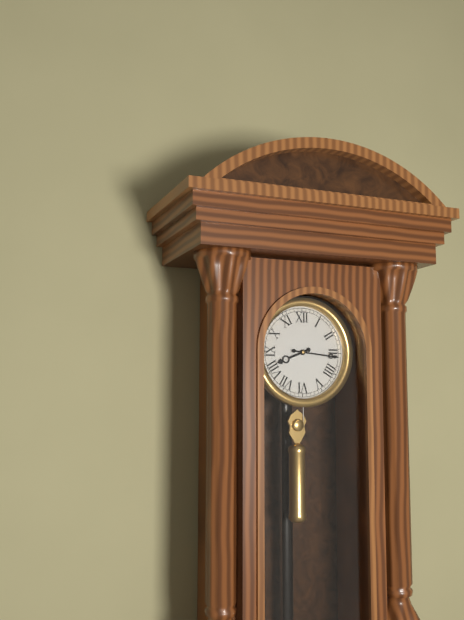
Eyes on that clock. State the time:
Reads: 8:16
